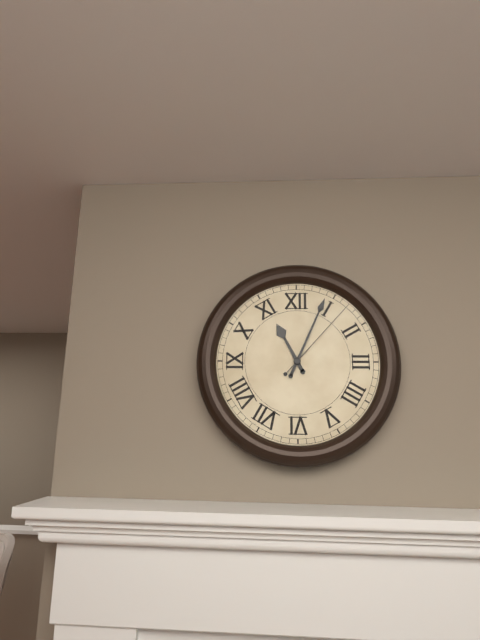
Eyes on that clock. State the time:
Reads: 11:04:07
